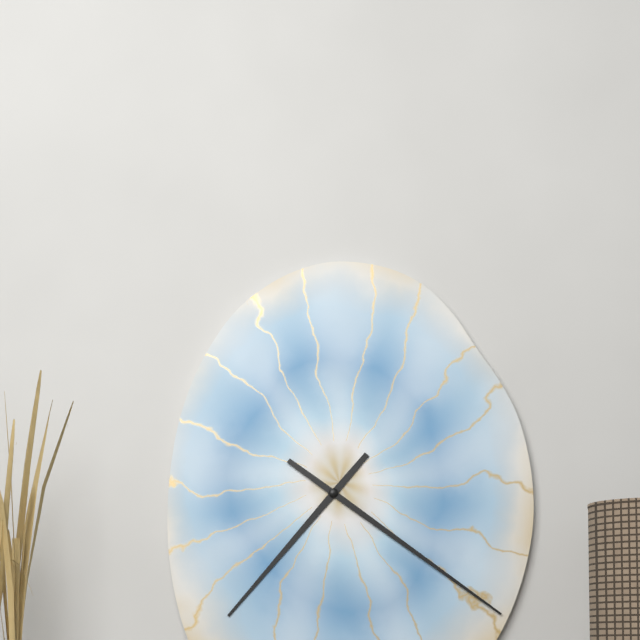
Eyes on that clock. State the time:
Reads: 7:21
